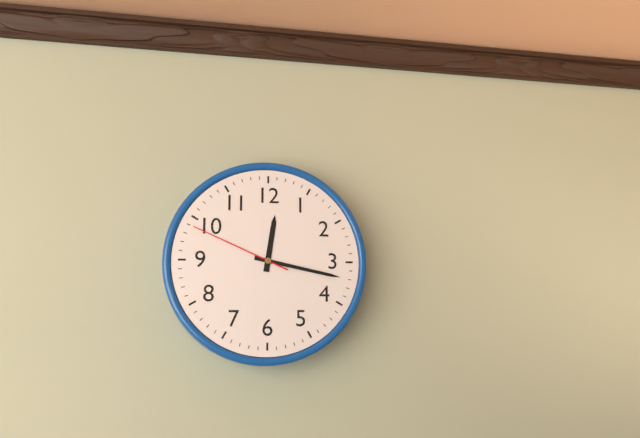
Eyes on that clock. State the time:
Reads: 12:17:49
